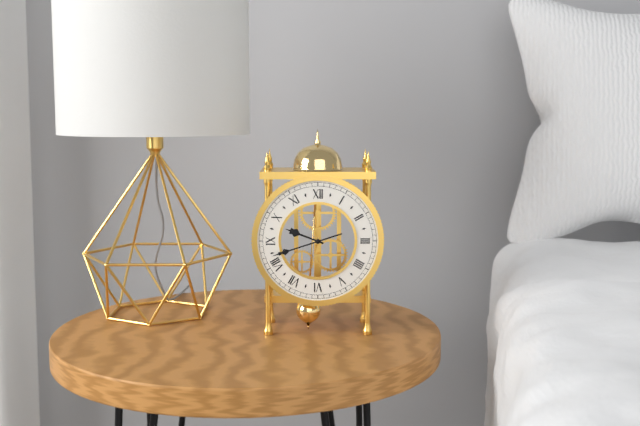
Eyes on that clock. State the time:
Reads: 9:42
